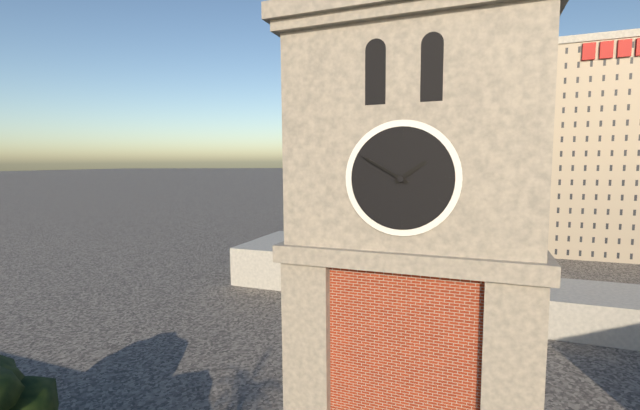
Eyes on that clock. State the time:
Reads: 1:50
